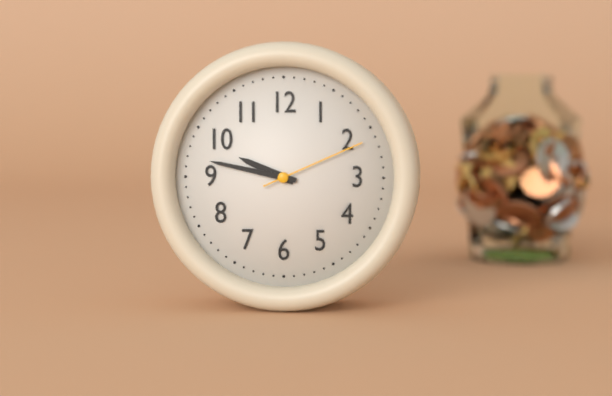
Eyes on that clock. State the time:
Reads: 9:47:11
